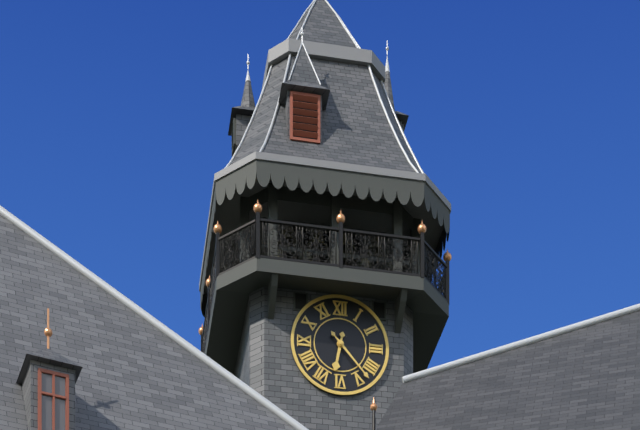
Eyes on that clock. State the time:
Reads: 6:23
